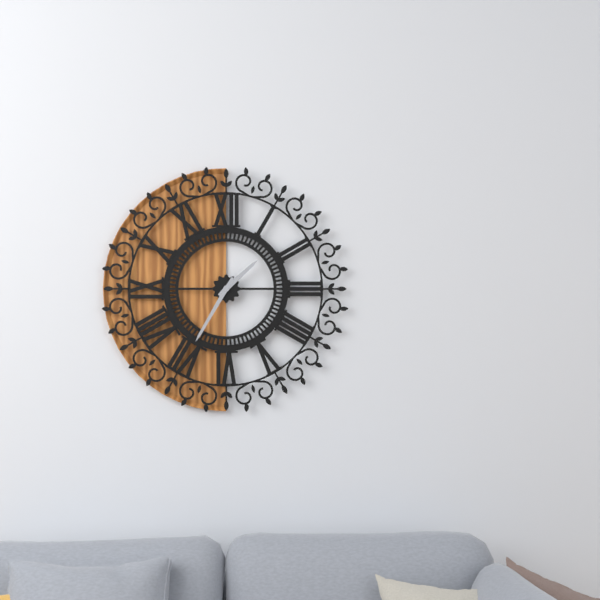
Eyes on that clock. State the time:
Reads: 1:35
